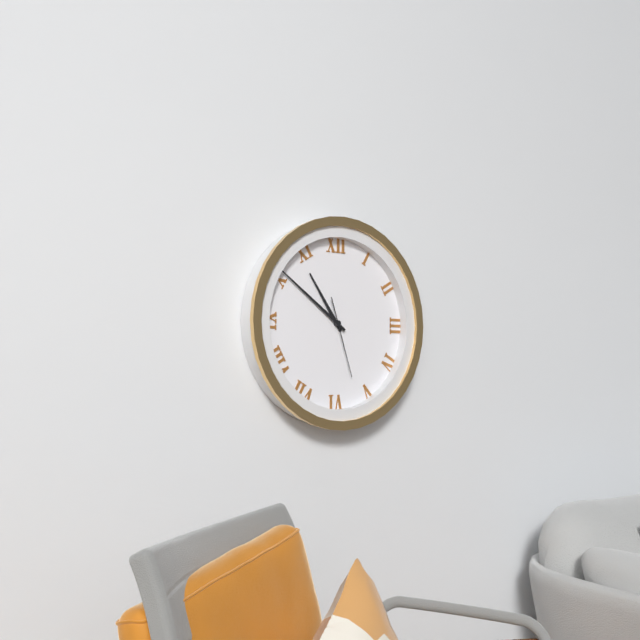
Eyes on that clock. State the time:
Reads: 10:51:27
